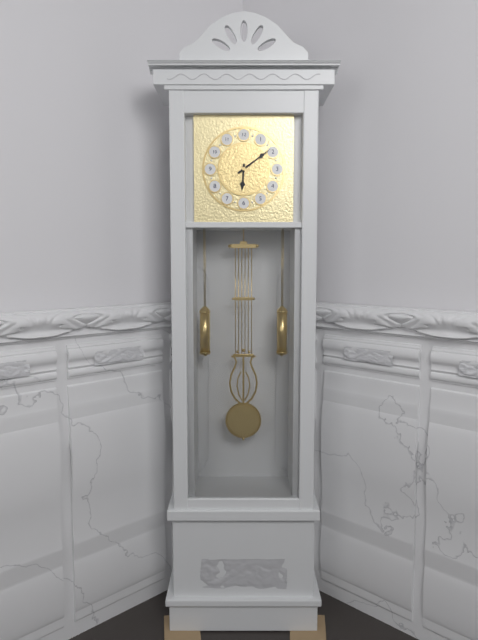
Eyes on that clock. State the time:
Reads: 6:09
